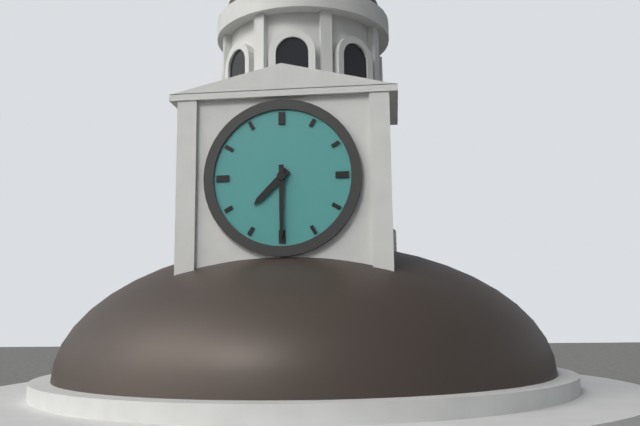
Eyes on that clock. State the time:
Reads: 7:30
